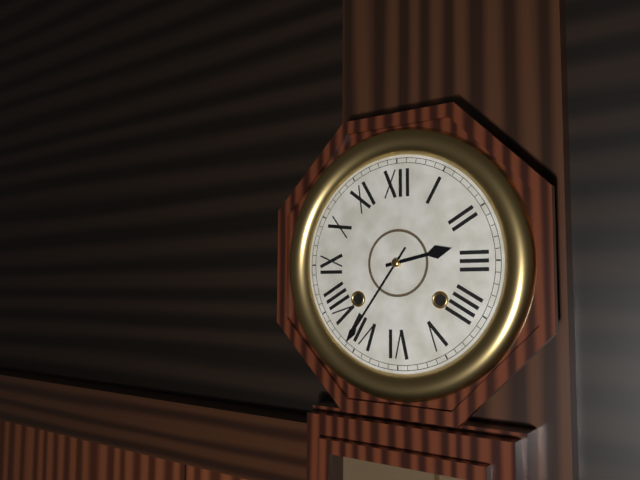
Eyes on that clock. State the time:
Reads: 2:36
